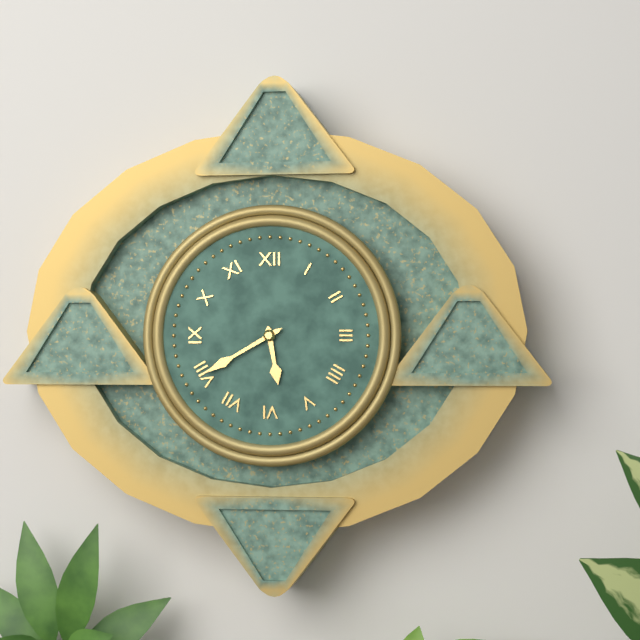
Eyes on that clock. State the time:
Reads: 5:40
